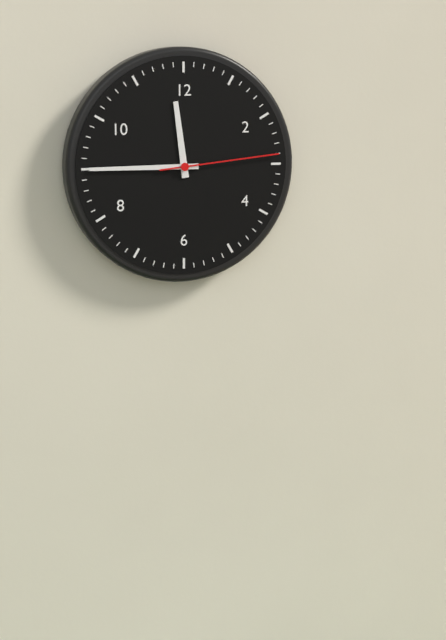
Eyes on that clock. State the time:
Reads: 11:45:14
